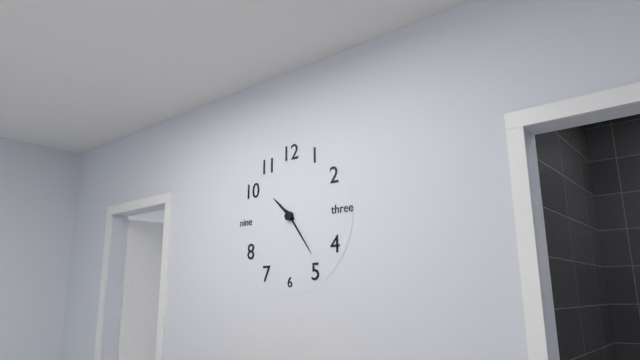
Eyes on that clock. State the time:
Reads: 10:24
